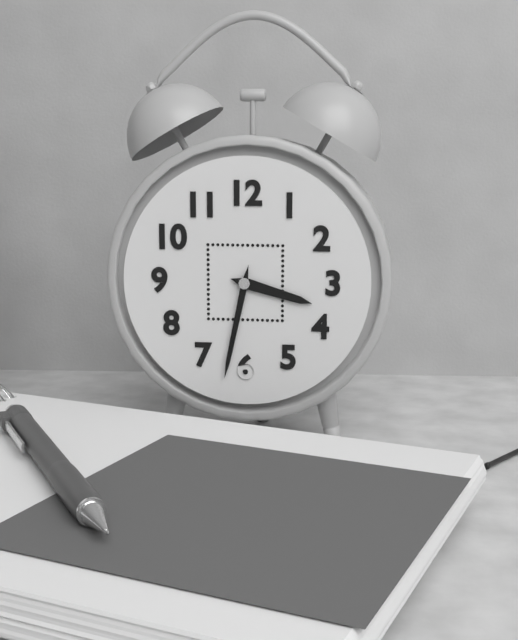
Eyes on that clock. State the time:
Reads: 3:32
